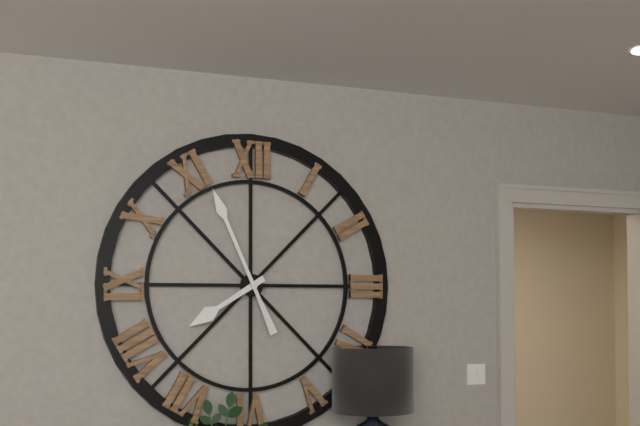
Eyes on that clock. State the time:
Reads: 7:56
